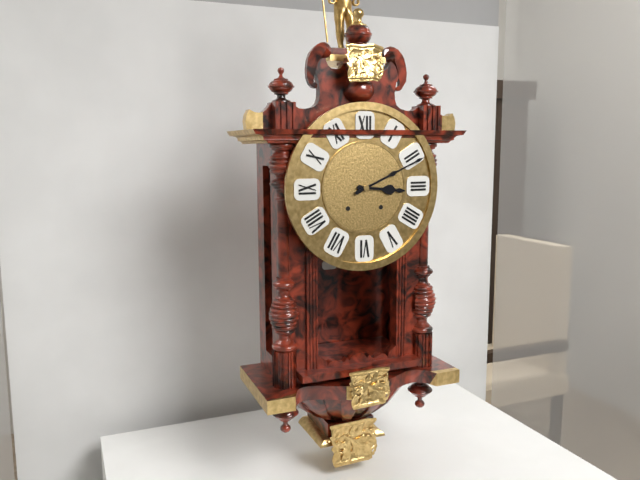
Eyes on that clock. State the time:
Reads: 3:11
